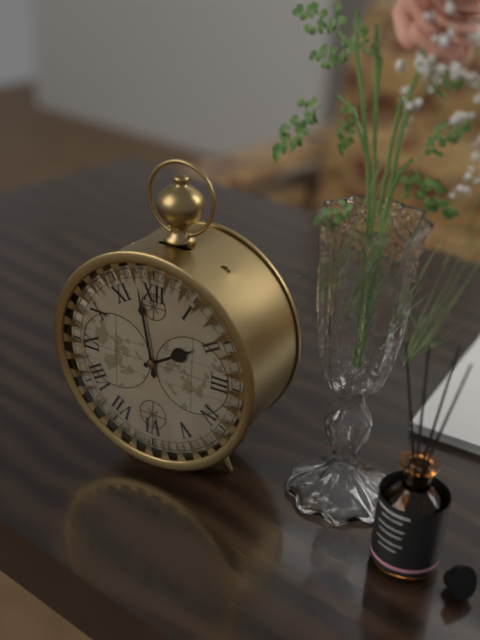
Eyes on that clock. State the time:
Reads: 1:58
